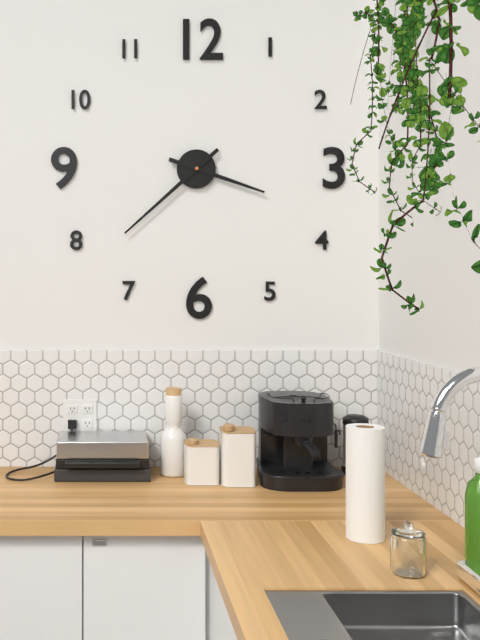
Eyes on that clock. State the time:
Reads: 3:38
